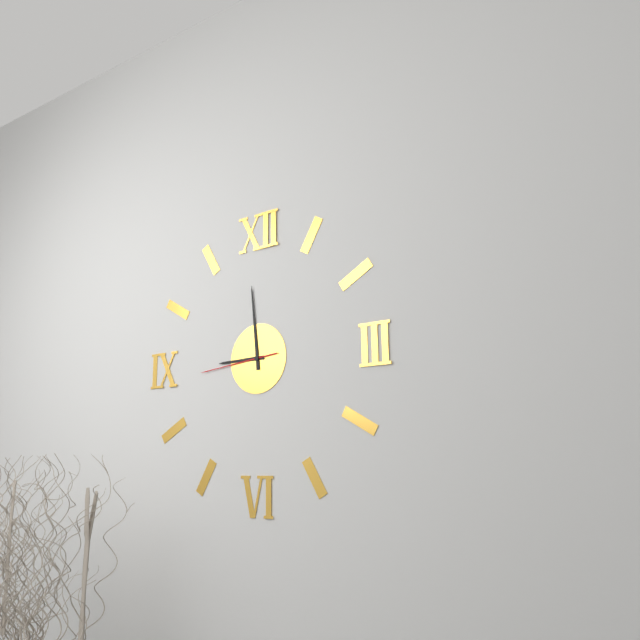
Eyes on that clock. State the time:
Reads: 8:59:44
